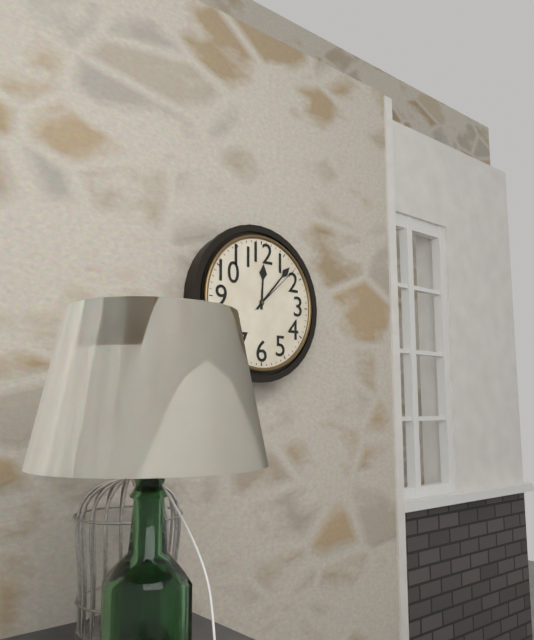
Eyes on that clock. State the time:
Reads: 12:07:08
